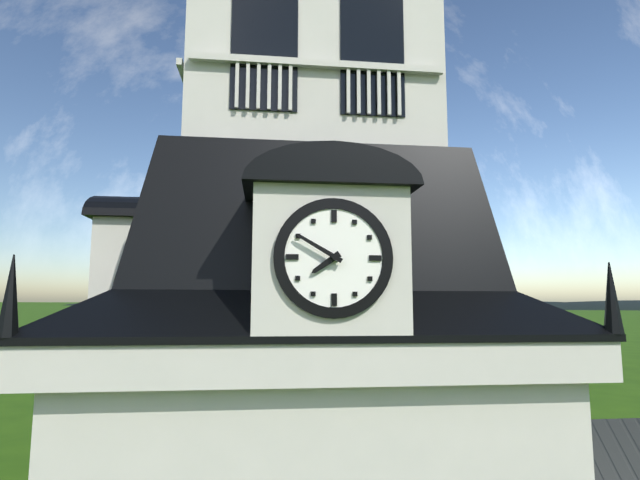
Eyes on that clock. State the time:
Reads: 7:50
